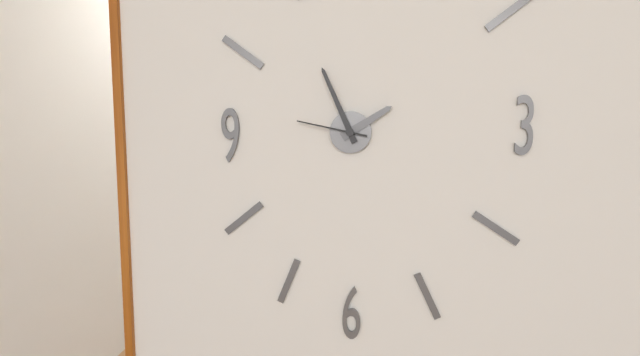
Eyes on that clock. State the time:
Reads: 1:56:47
